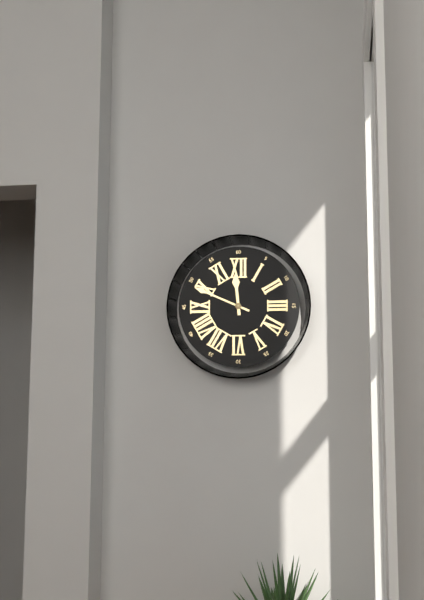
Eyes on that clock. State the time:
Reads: 11:49
